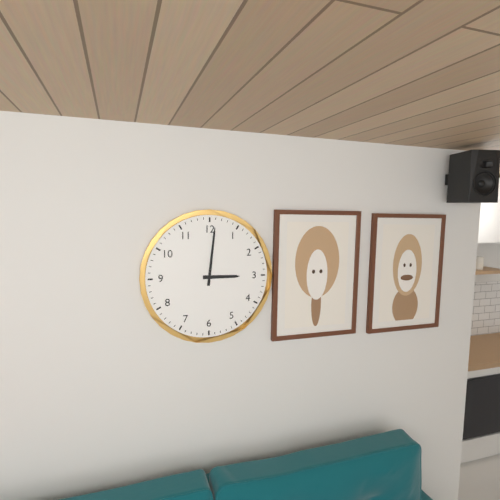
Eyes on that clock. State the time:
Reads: 3:01
